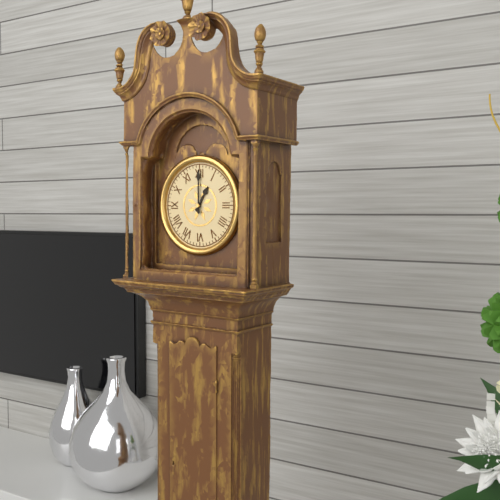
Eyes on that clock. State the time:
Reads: 1:00
